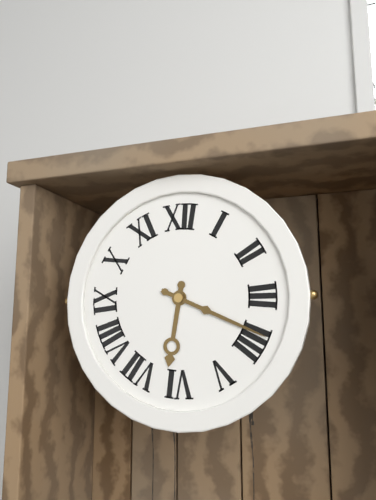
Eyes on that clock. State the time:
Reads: 6:19
